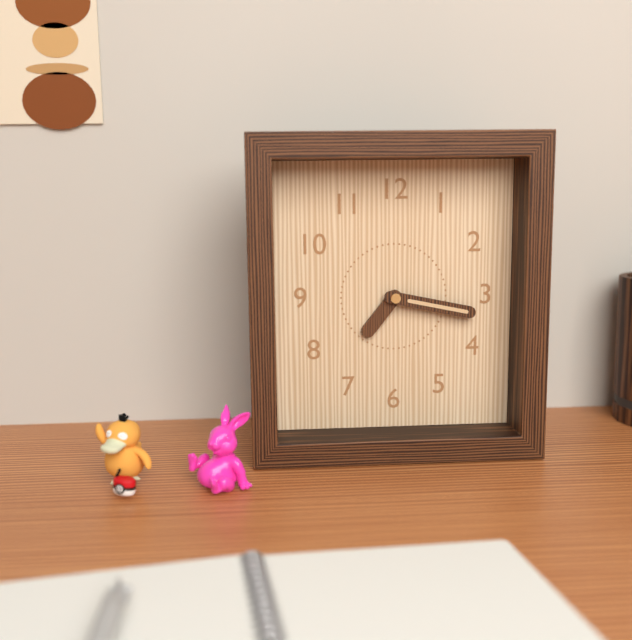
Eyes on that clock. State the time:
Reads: 7:17
